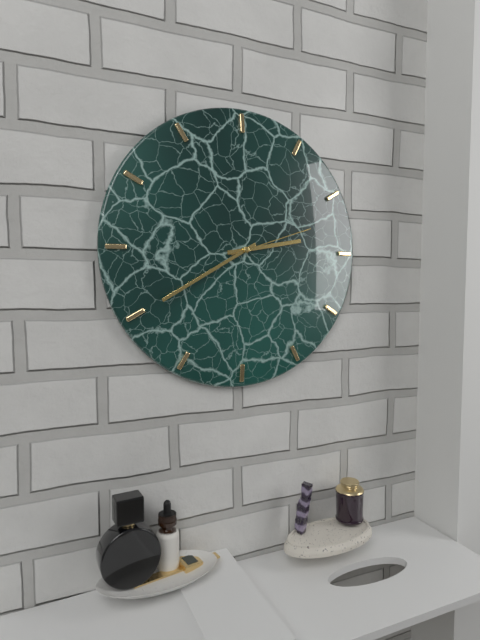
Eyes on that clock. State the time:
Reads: 2:40:12
